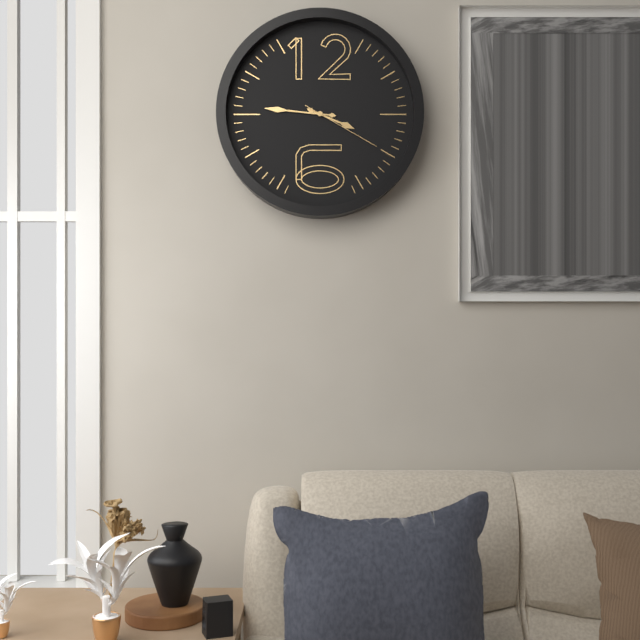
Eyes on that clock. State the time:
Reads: 3:46:20
